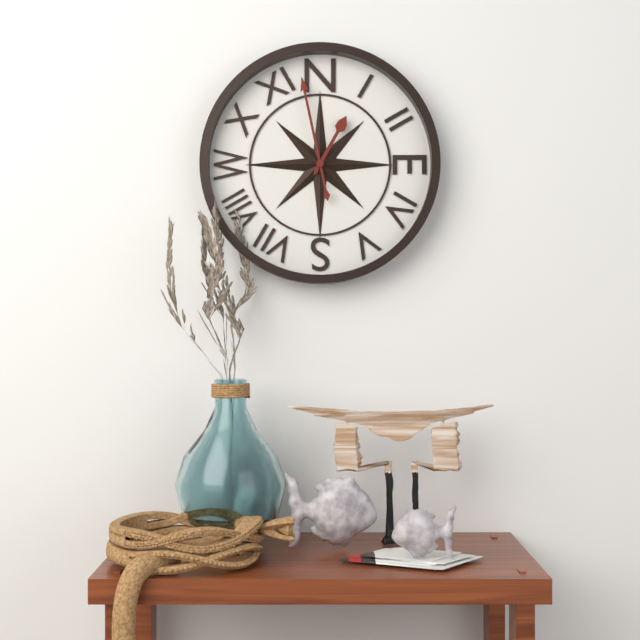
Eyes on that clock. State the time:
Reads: 12:58
